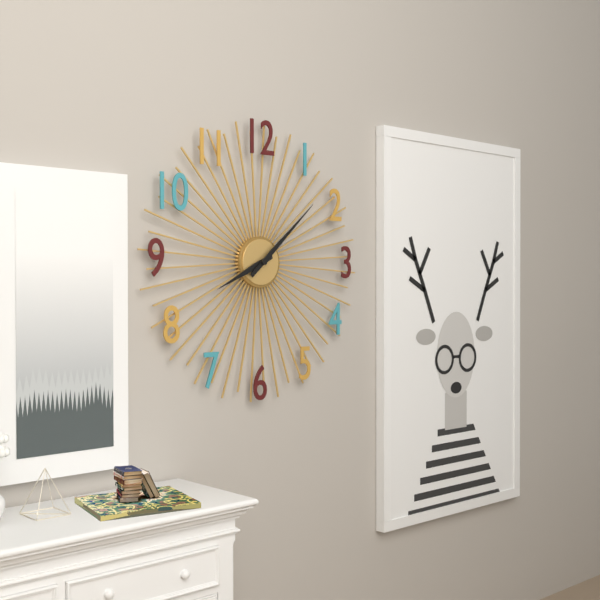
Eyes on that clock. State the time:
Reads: 8:08
